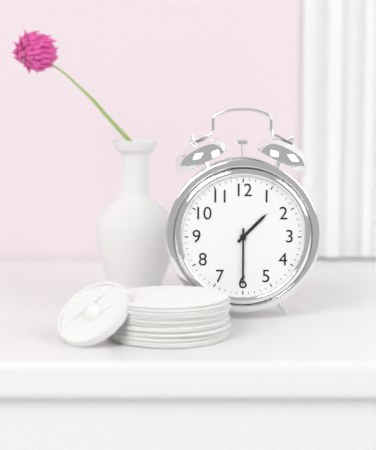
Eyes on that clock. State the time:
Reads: 1:30
